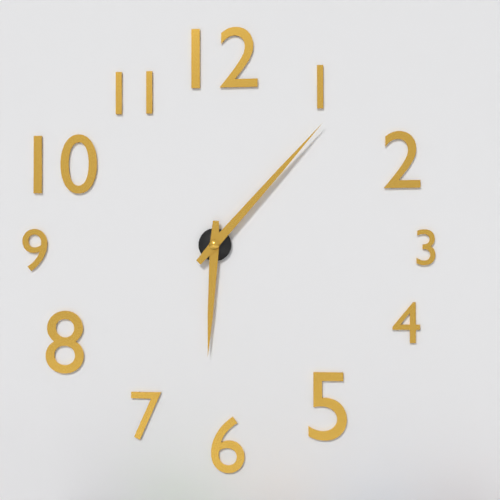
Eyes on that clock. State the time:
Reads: 6:07
